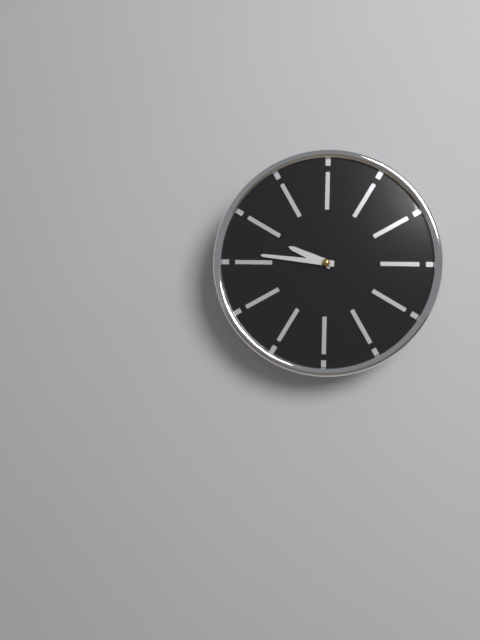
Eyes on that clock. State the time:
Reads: 9:46
